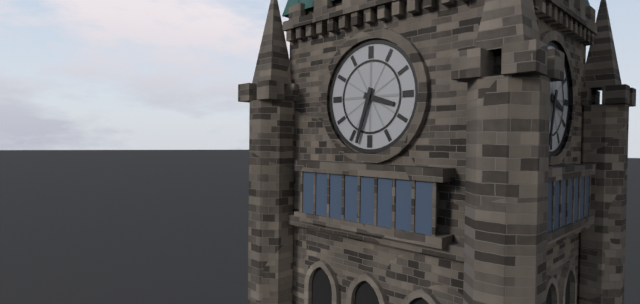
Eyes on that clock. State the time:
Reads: 3:33
